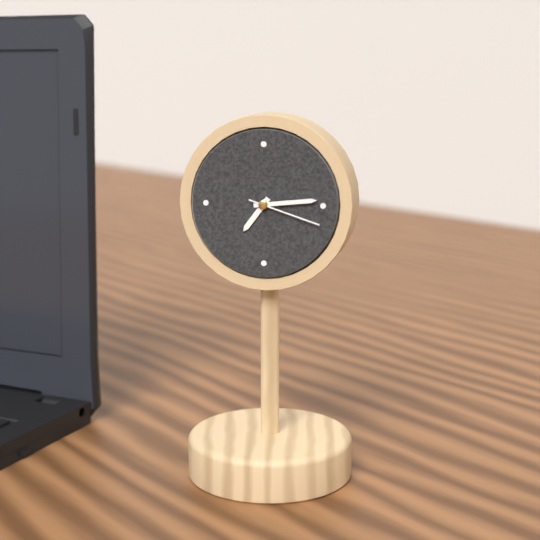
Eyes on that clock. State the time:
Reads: 7:14:18
